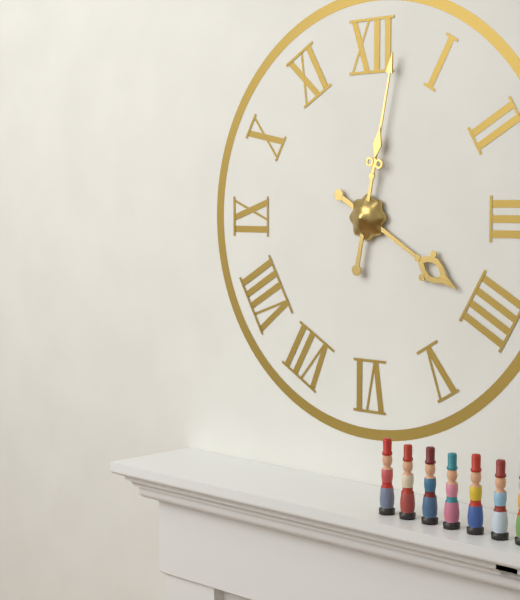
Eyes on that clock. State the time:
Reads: 4:02
